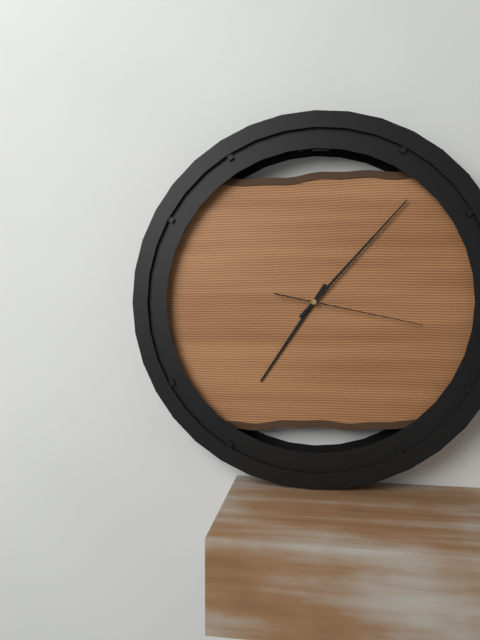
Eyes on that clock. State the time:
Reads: 7:07:17
